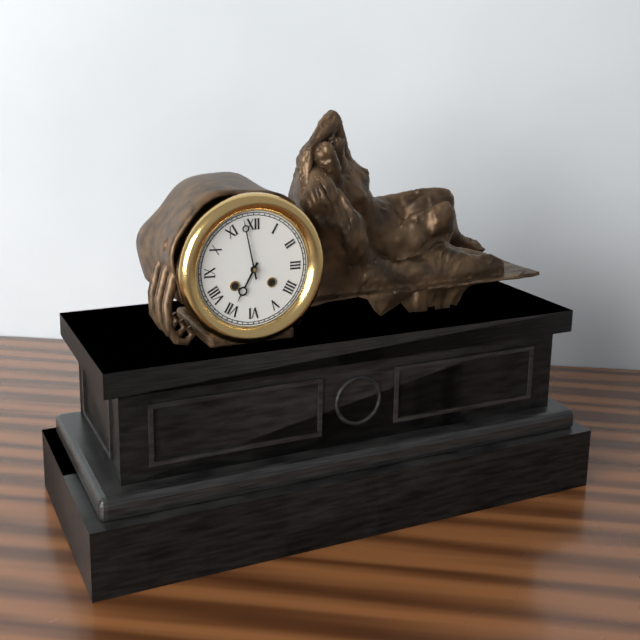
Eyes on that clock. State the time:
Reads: 6:58
